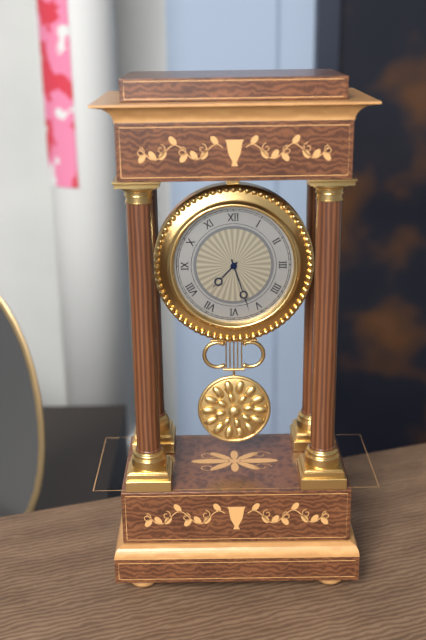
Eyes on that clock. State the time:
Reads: 7:27
